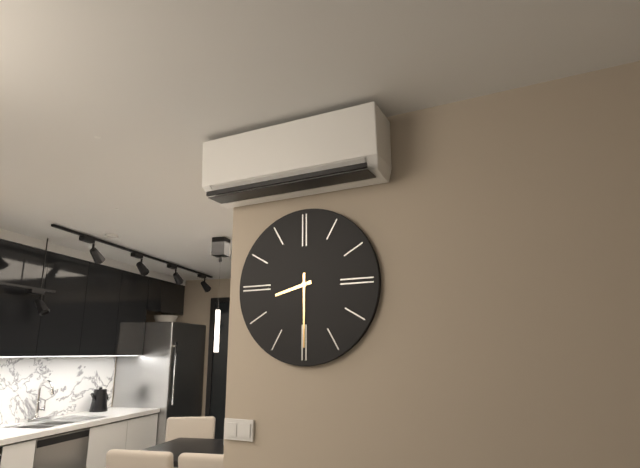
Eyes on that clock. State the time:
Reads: 8:30
